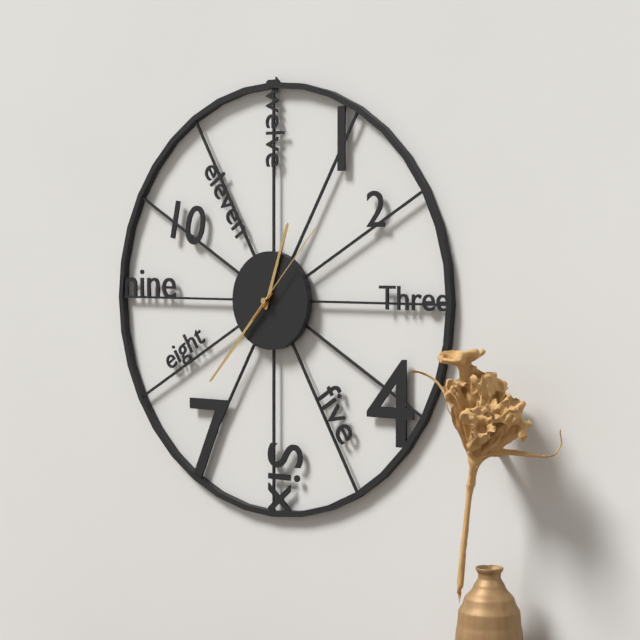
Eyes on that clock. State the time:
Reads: 12:37:07
